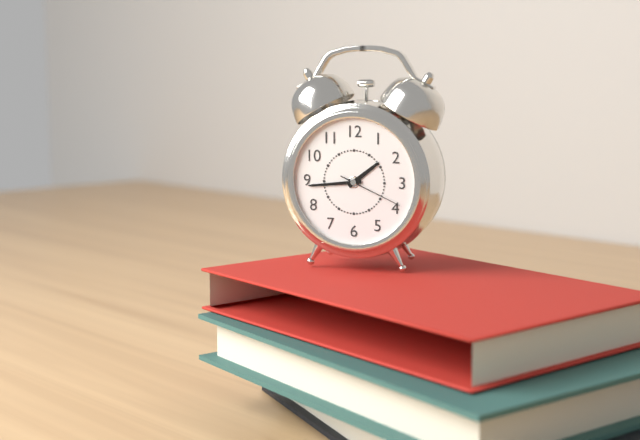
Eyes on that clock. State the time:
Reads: 1:44:19
